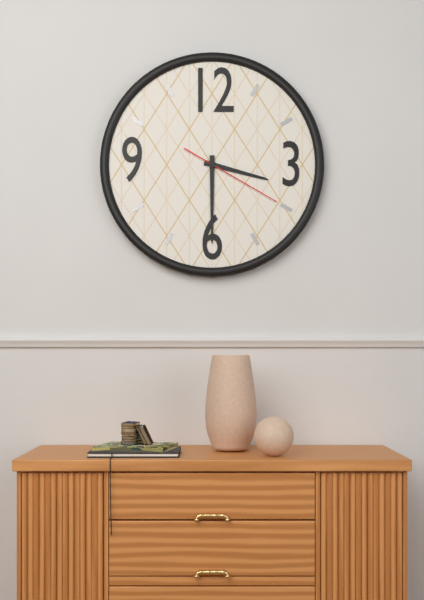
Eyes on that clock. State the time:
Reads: 3:30:20
